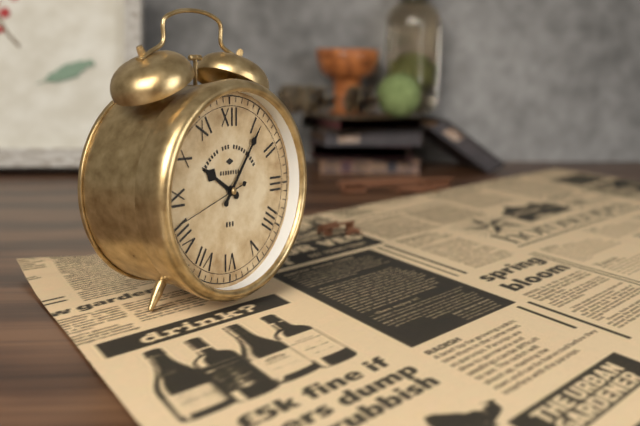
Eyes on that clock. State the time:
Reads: 10:06:42
